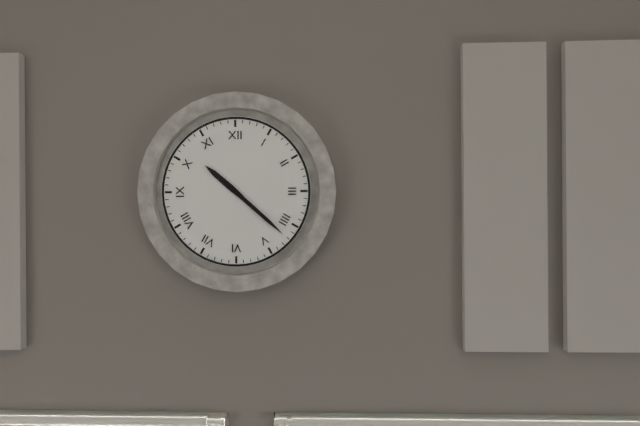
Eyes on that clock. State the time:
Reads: 10:22
